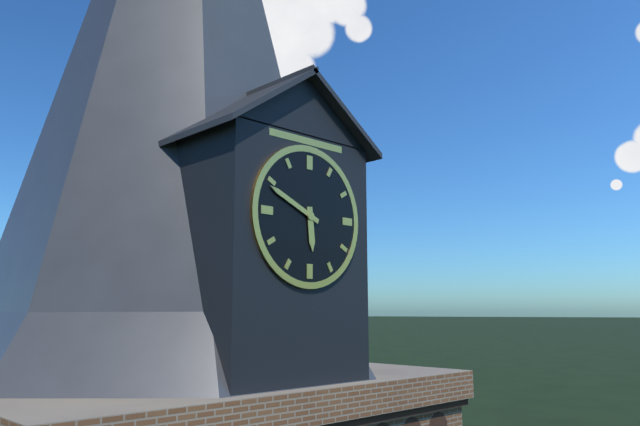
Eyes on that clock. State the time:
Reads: 5:49
